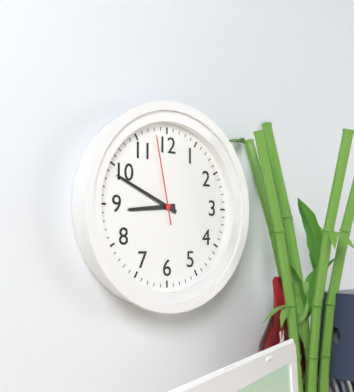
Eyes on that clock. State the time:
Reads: 8:49:58
